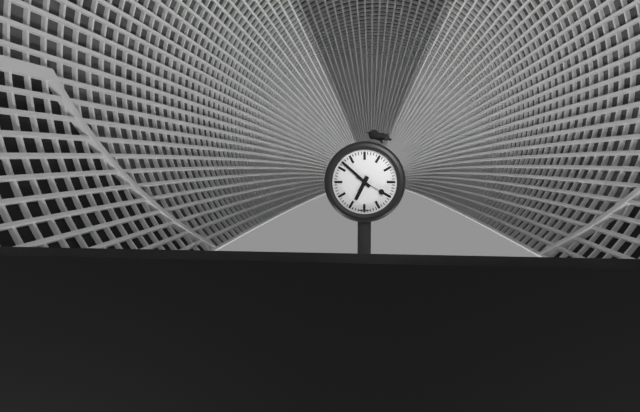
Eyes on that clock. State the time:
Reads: 6:52
